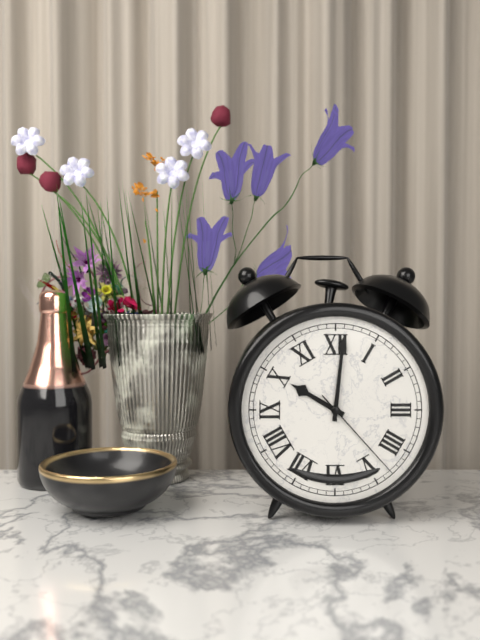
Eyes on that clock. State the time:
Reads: 10:01:23
